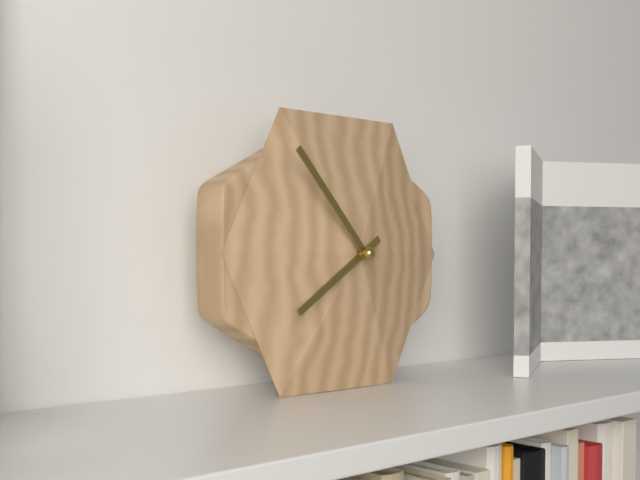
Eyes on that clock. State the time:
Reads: 7:53
